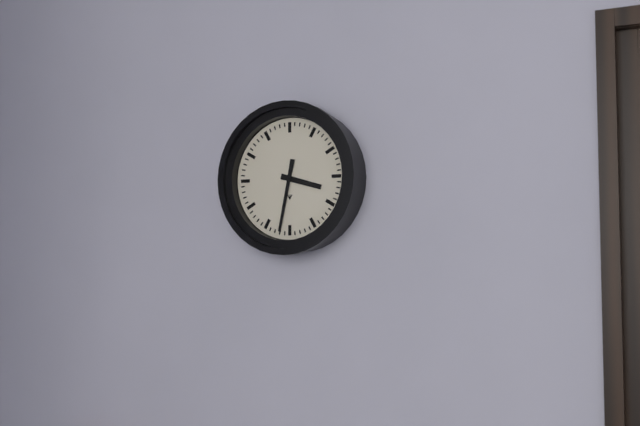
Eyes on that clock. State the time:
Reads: 3:32
